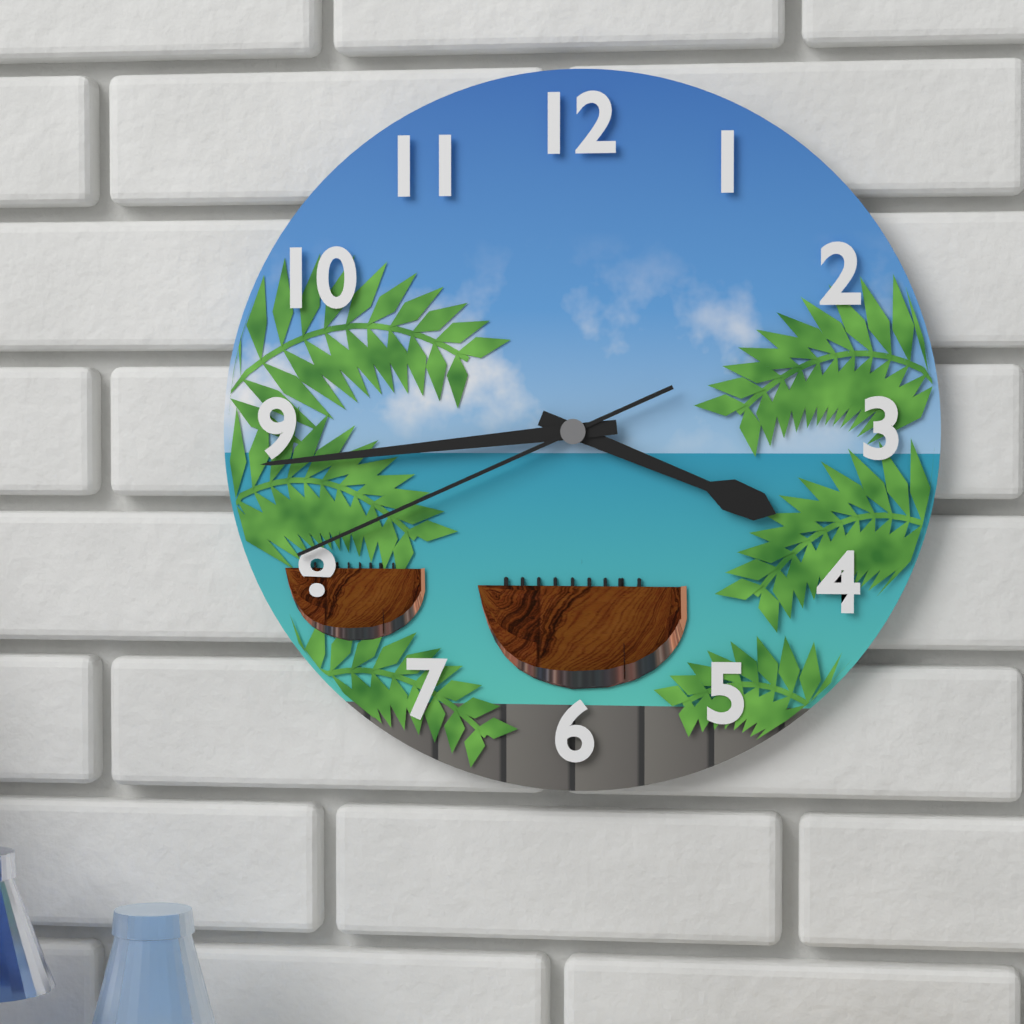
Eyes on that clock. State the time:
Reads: 3:44:41
